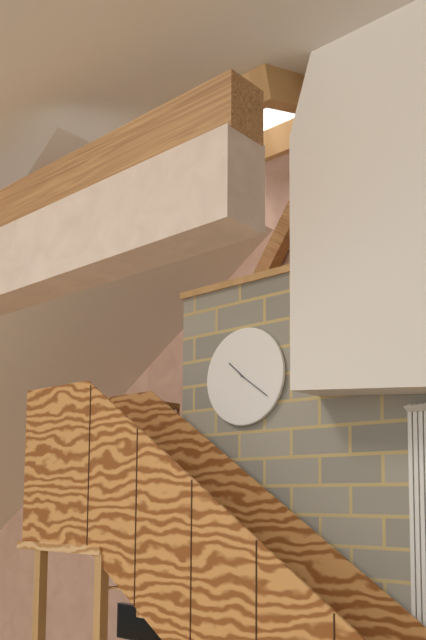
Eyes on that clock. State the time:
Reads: 10:21
